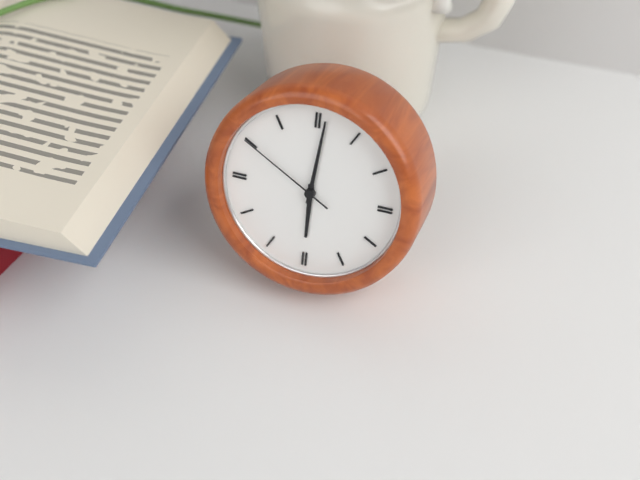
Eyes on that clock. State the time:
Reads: 6:01:50
